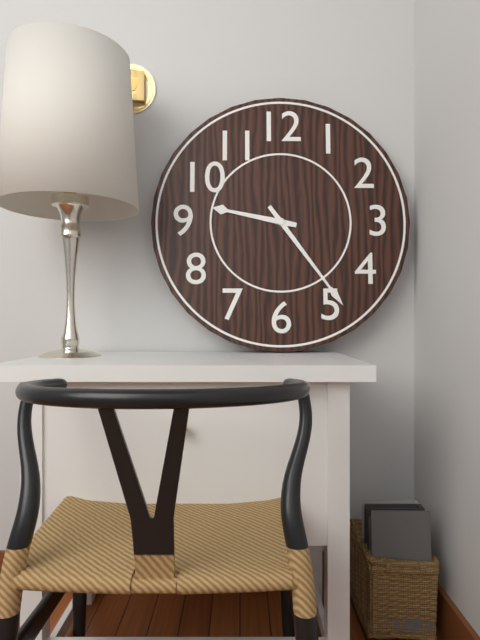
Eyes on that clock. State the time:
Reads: 9:24
